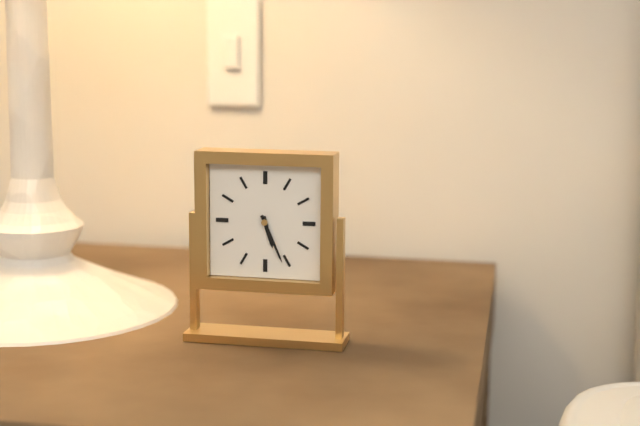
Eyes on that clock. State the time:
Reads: 5:26
